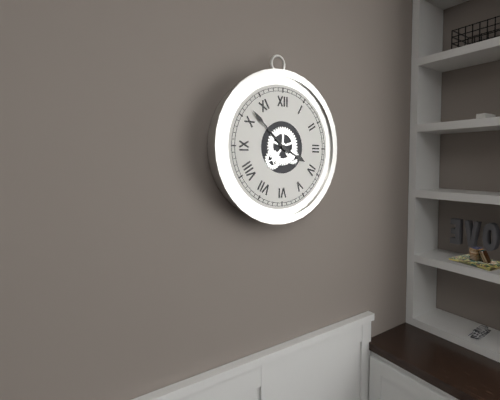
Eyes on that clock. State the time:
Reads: 3:52
